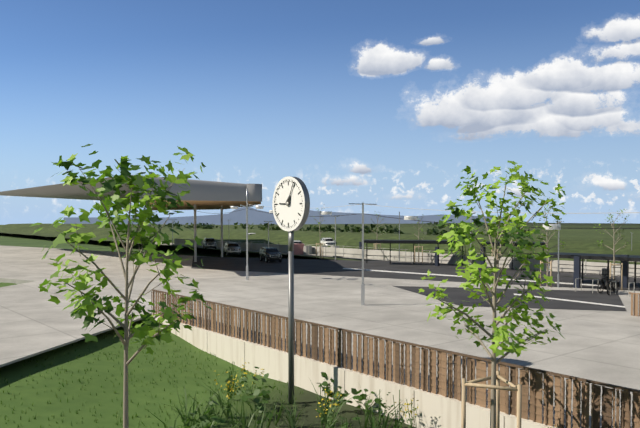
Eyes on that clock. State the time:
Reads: 9:04
